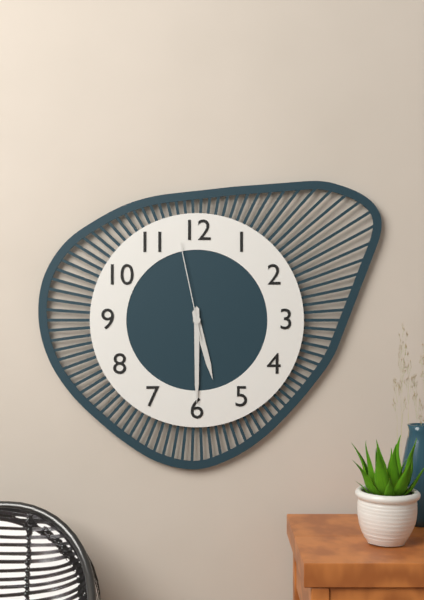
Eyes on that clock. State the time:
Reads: 5:30:58
